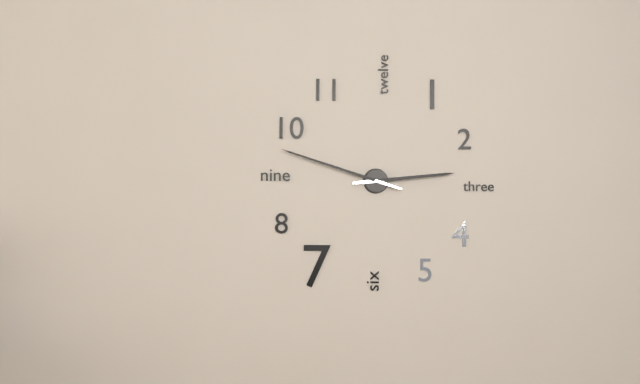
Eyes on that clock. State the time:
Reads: 2:48
